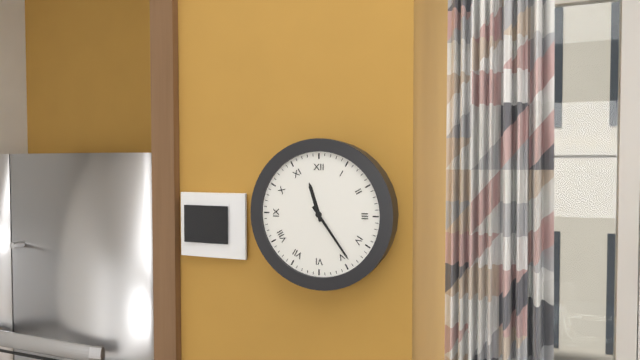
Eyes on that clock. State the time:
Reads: 11:24
